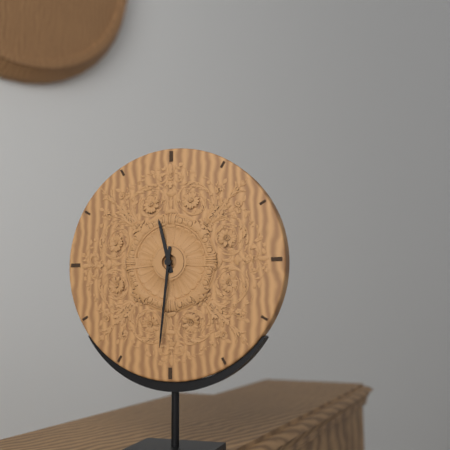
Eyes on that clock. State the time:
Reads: 11:31
